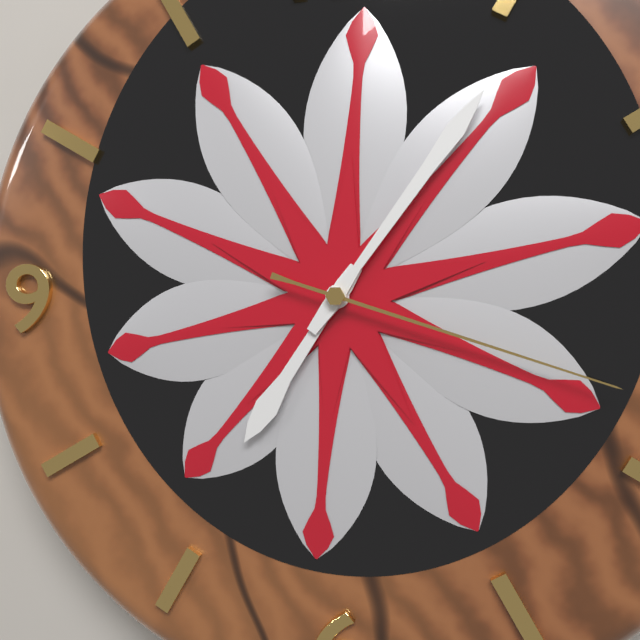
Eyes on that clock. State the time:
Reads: 7:06:18
